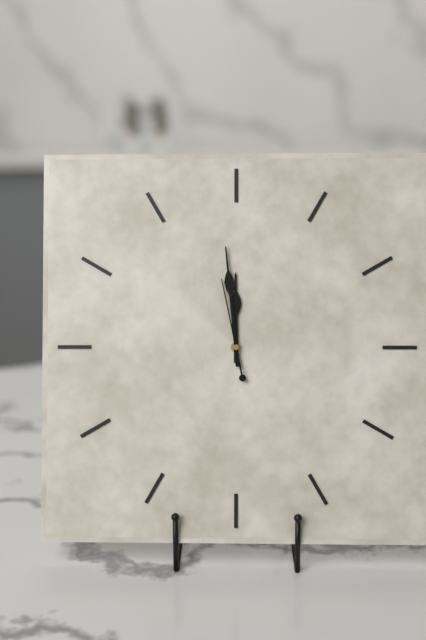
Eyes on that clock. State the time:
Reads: 11:59:58
